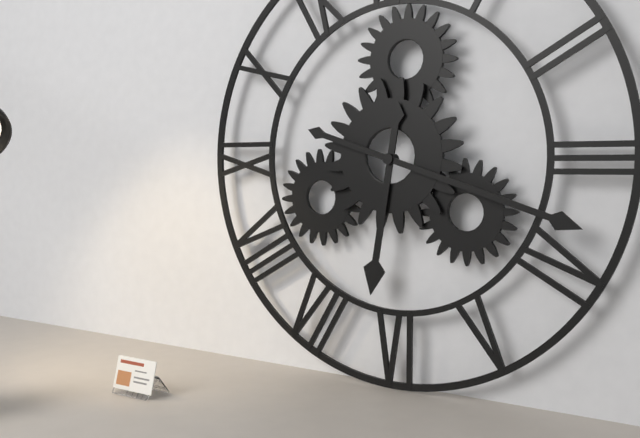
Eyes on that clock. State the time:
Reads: 6:18
